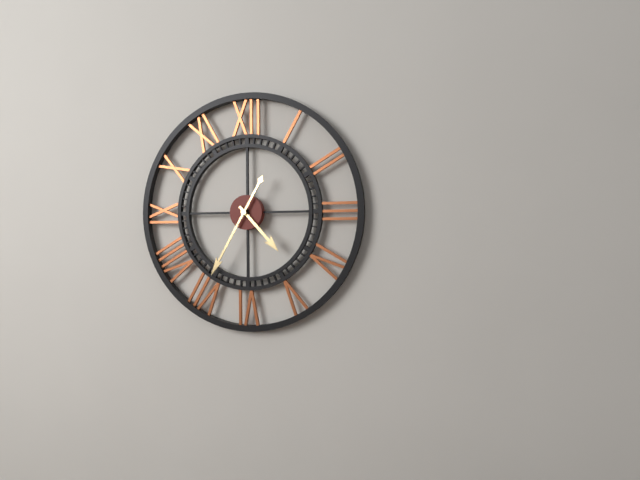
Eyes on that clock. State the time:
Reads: 4:35
